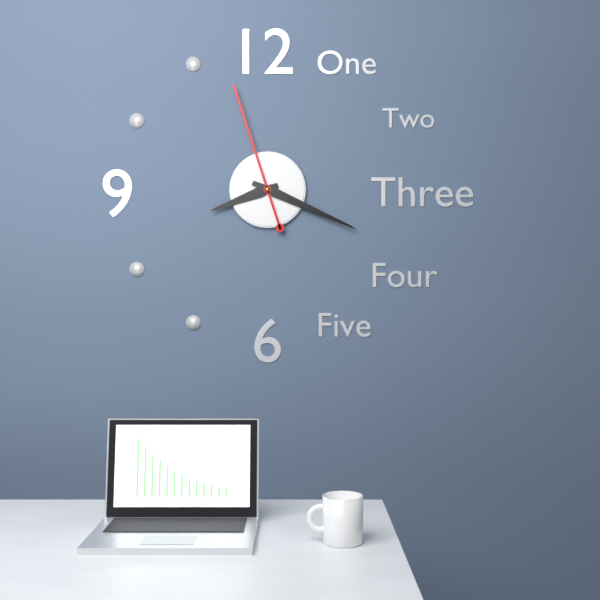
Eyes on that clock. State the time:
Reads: 8:19:57
